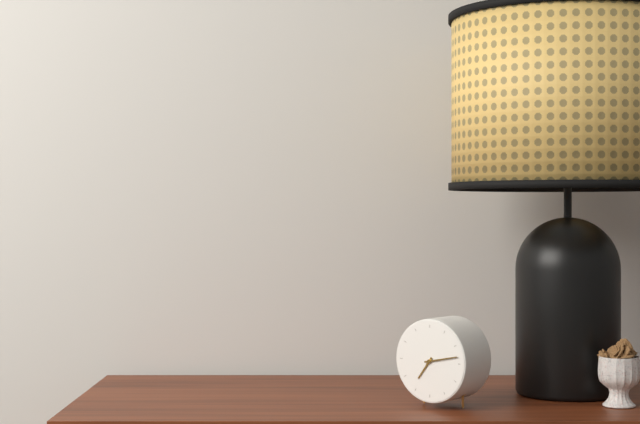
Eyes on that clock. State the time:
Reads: 7:13
